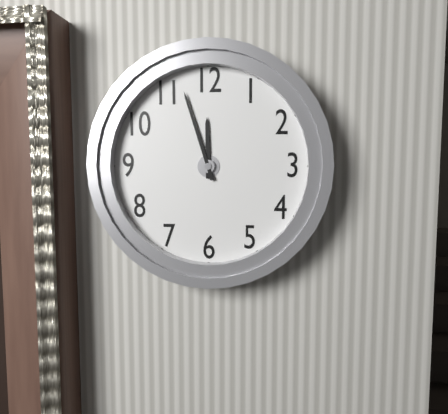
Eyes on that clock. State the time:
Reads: 11:57
